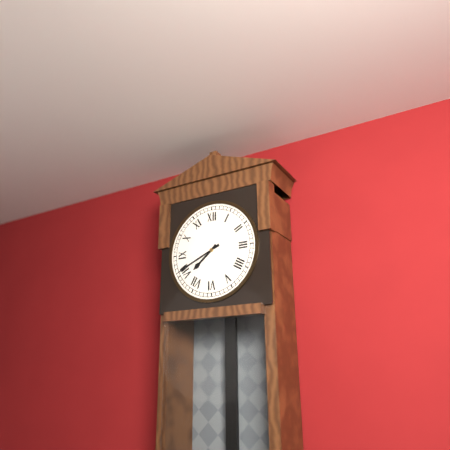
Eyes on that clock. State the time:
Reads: 7:41
